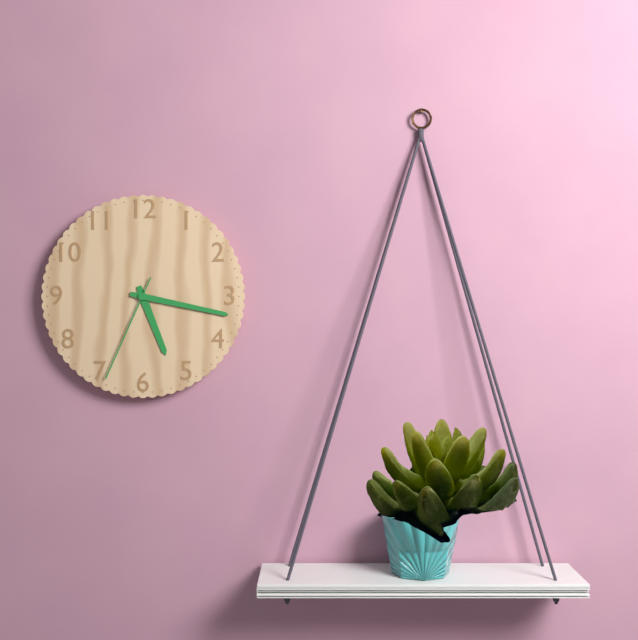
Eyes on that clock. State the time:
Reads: 5:17:34
